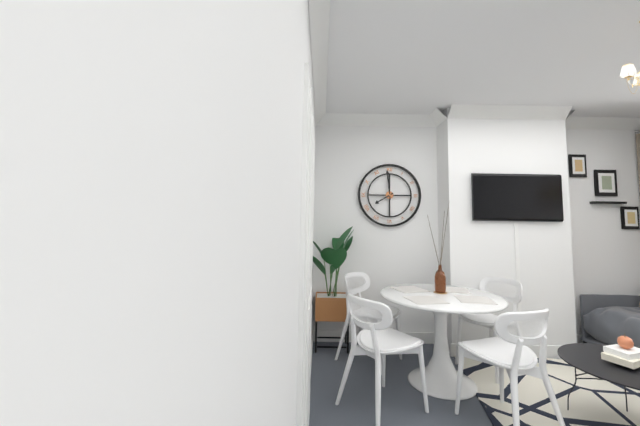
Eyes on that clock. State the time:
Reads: 7:59
